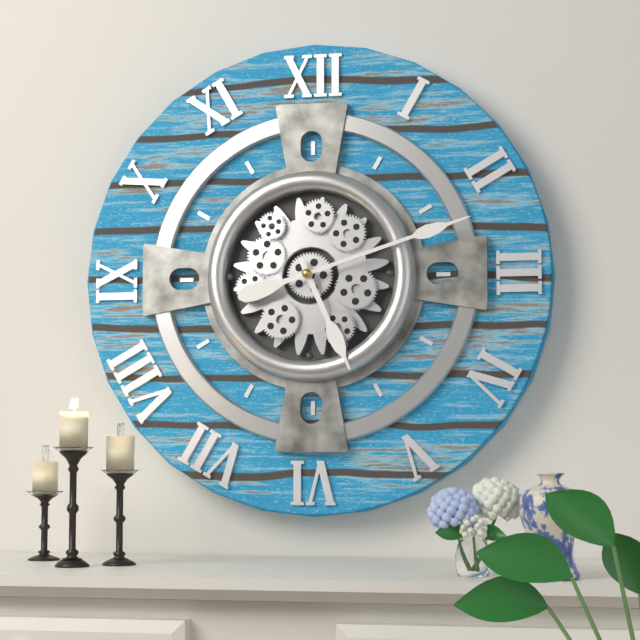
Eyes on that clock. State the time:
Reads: 5:12
